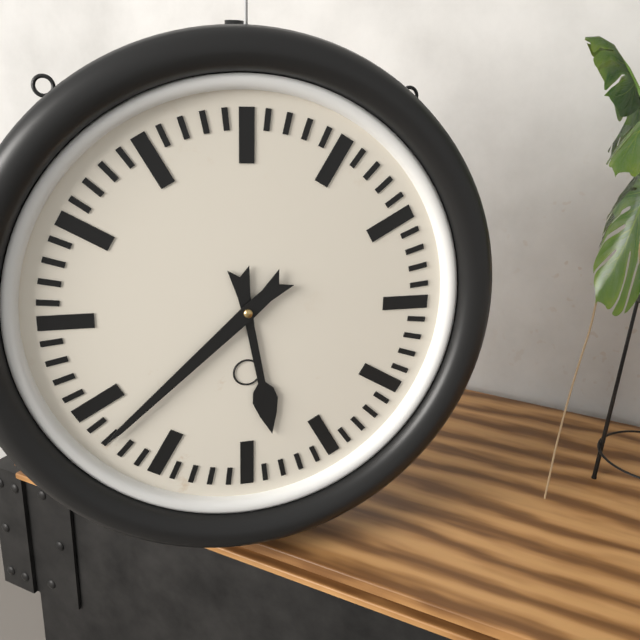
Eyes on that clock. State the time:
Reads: 5:38
